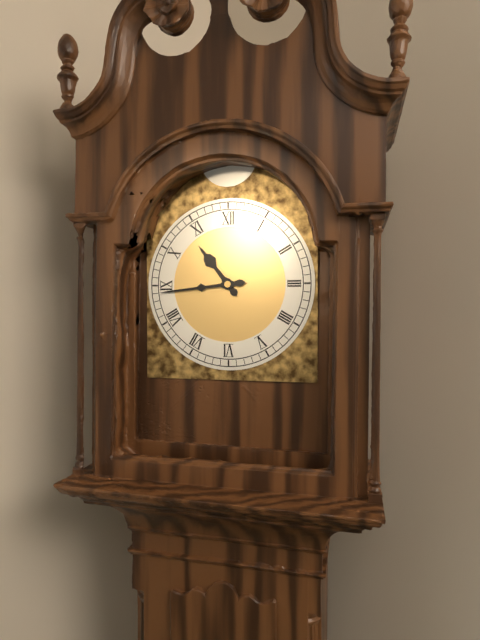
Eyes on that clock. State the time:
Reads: 10:44
